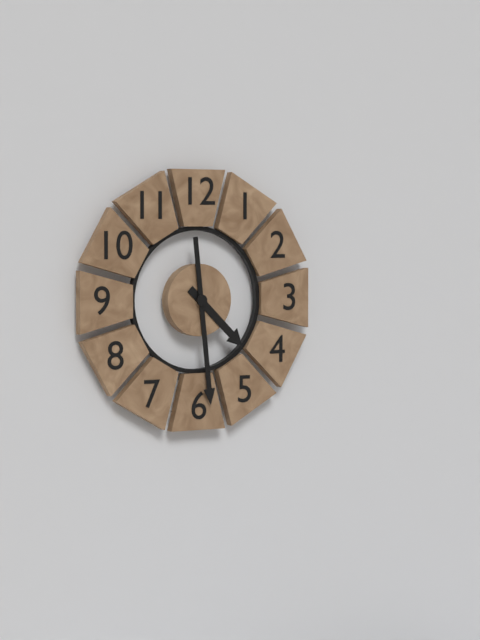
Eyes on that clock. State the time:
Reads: 4:29
